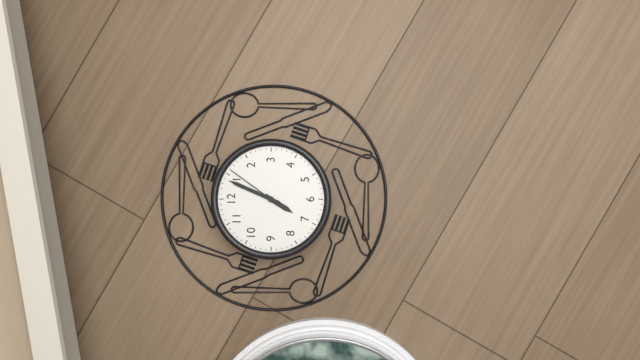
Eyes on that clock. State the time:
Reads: 7:04:06
